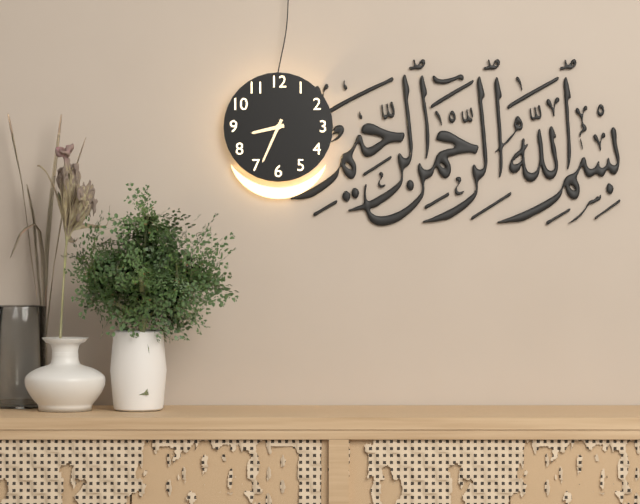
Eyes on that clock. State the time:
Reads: 8:34
